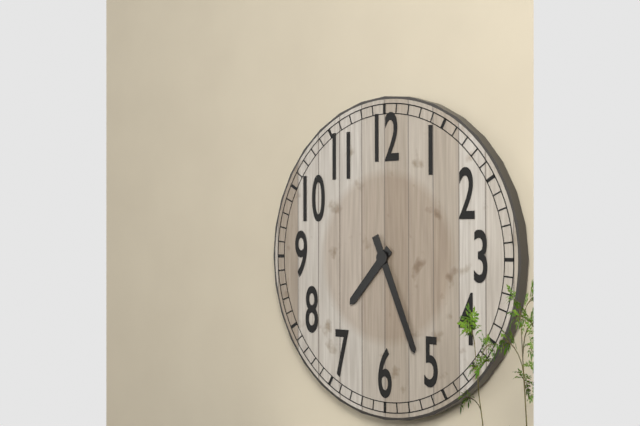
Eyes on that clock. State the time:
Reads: 7:26
